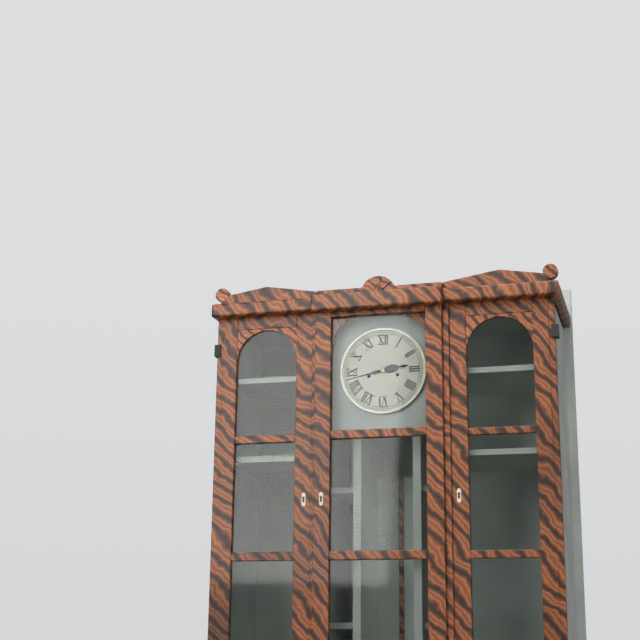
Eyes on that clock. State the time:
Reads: 2:43
